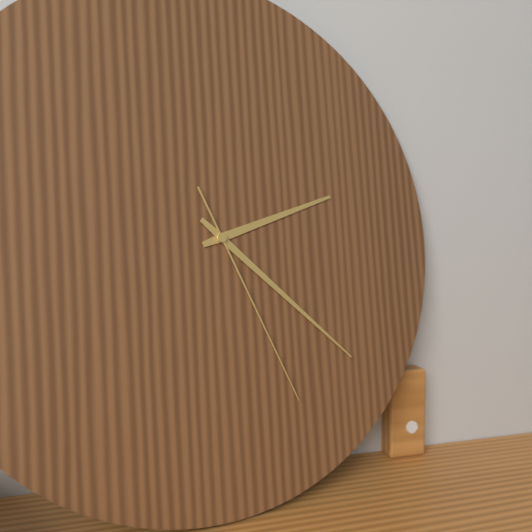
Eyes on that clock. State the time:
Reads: 2:22:26
